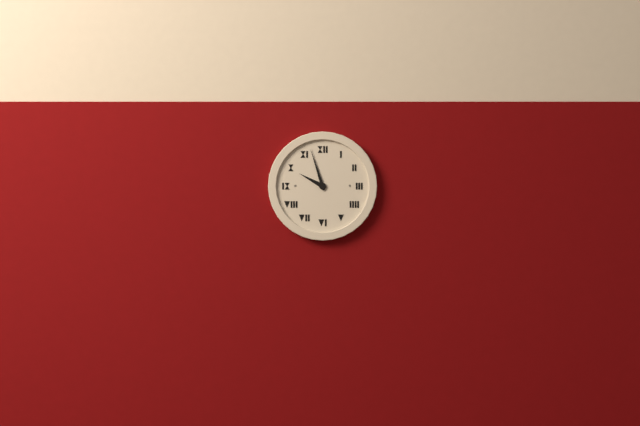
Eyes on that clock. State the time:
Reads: 9:57
